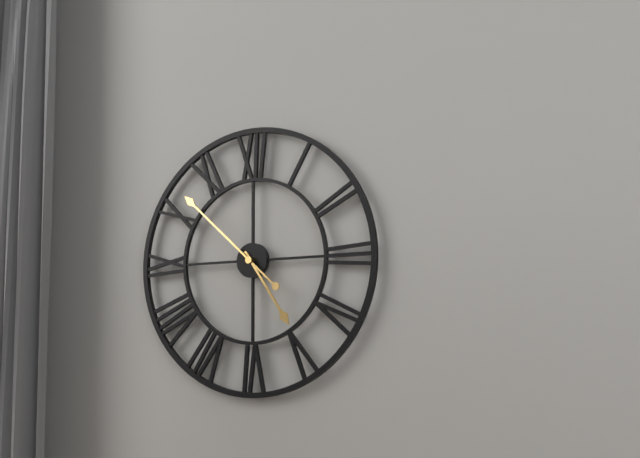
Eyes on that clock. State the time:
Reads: 4:52
